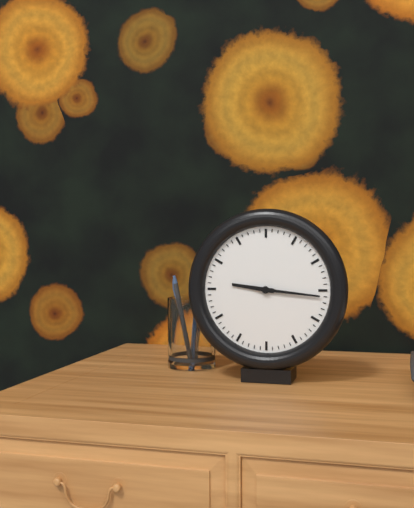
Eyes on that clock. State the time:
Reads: 9:16
